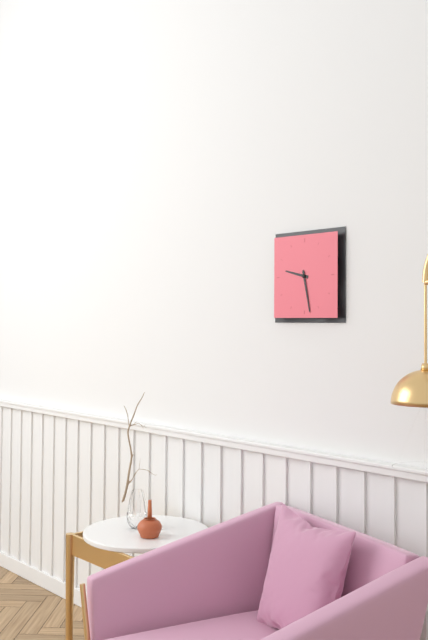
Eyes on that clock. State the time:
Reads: 9:28
